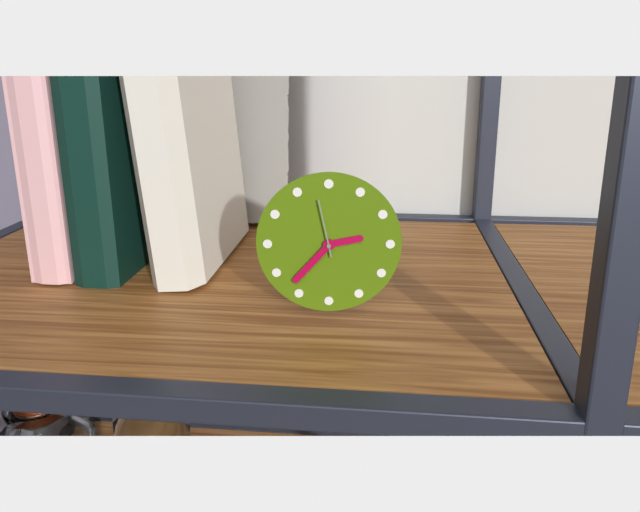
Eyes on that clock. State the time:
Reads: 2:37:58
